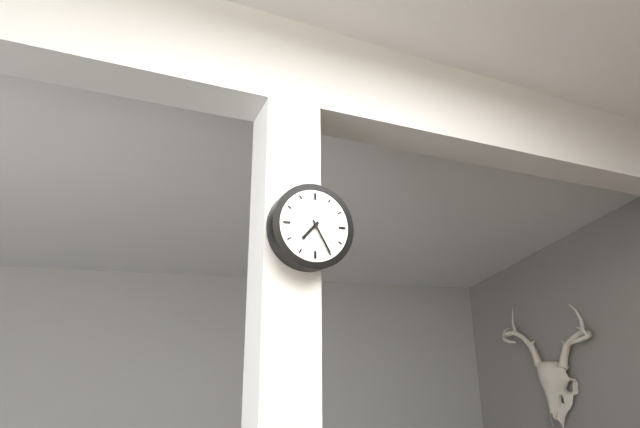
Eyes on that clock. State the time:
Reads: 7:25
